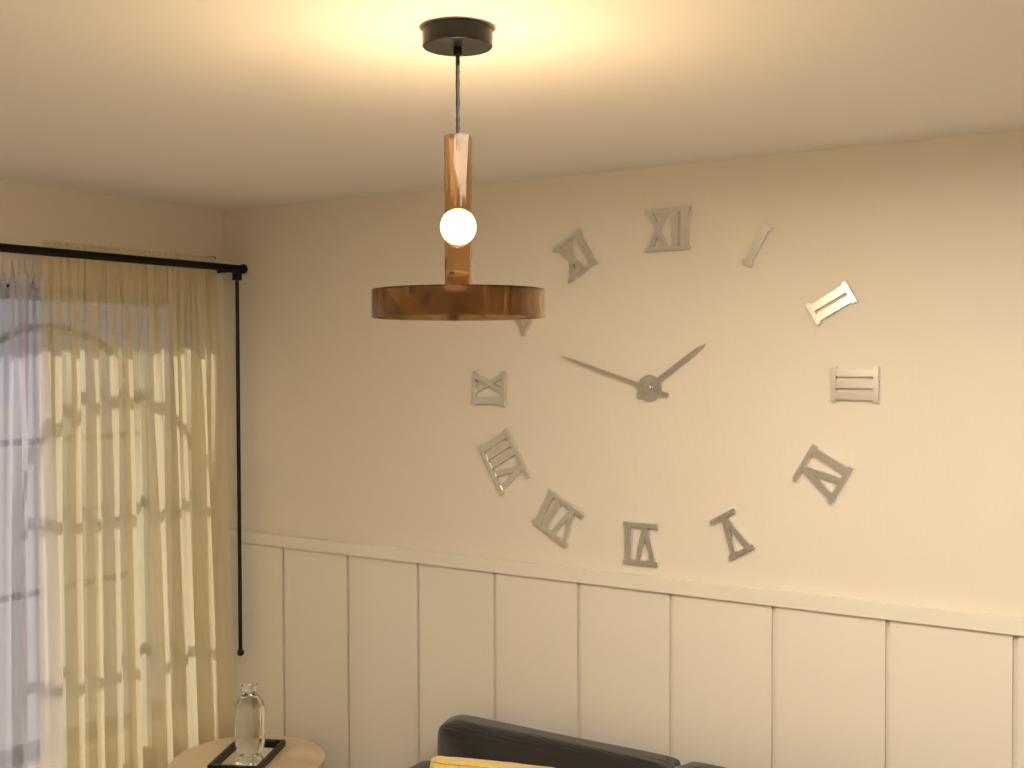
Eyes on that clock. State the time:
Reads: 1:48
